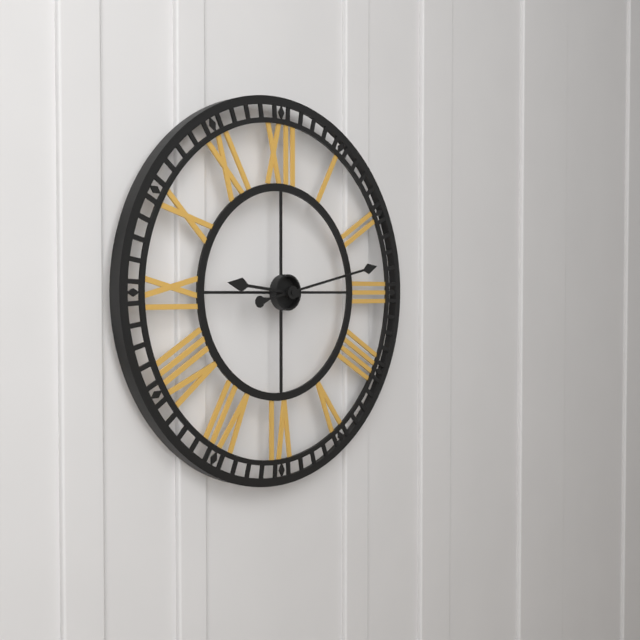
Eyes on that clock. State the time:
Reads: 9:13
